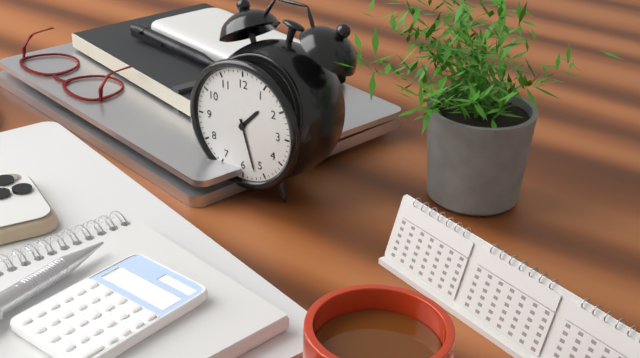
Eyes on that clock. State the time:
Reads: 1:27
